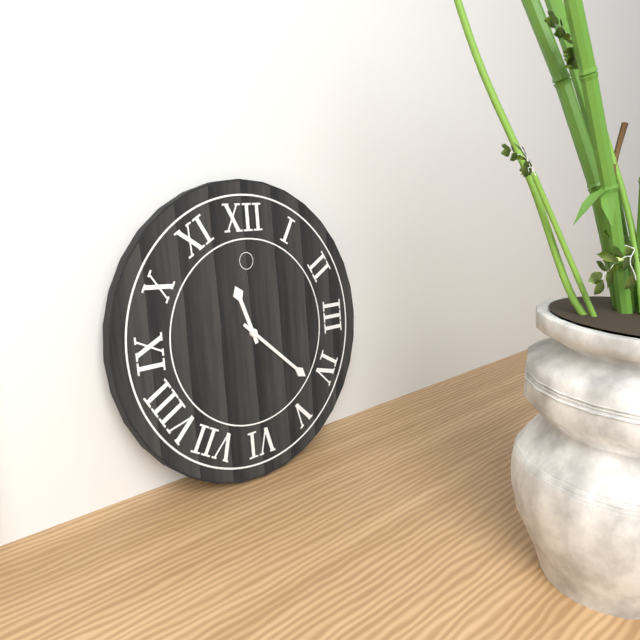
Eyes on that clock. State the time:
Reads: 11:22
